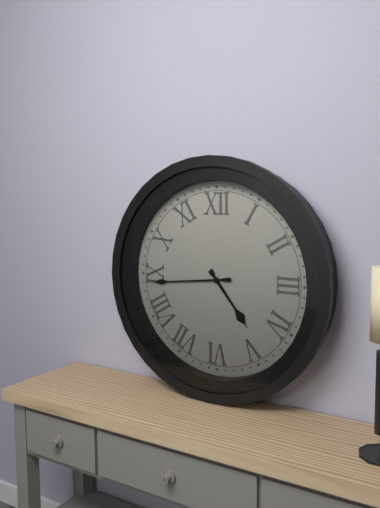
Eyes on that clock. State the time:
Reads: 4:44
